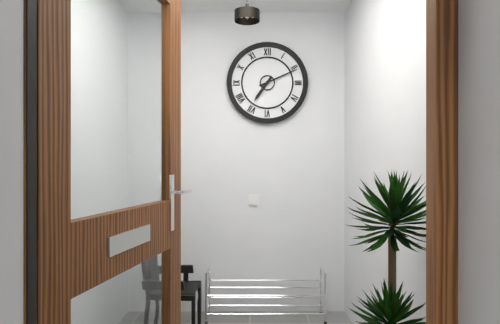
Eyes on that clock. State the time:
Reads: 7:11
